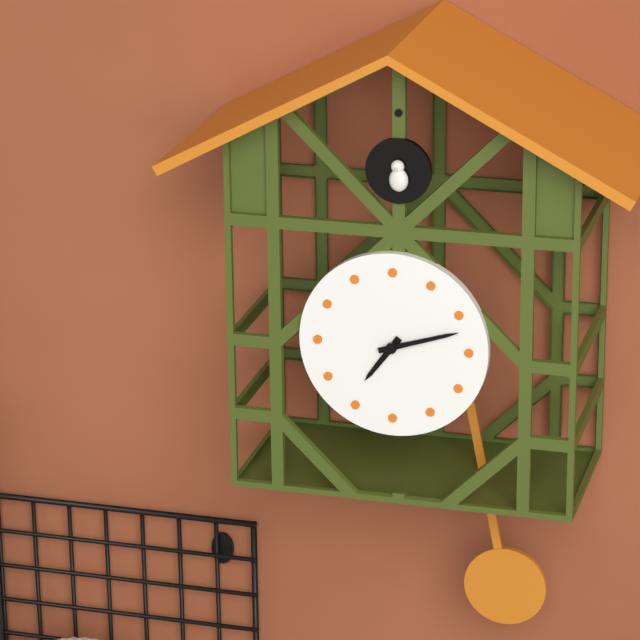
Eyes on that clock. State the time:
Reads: 7:12
